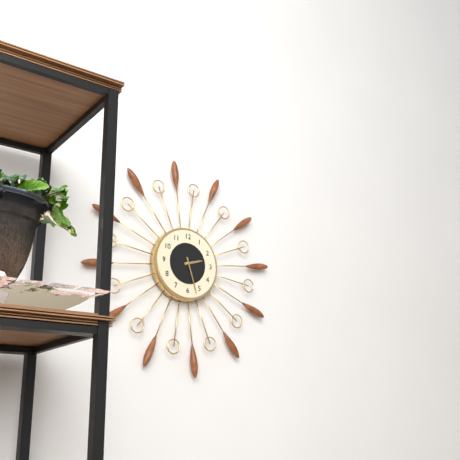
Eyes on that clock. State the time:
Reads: 2:27
